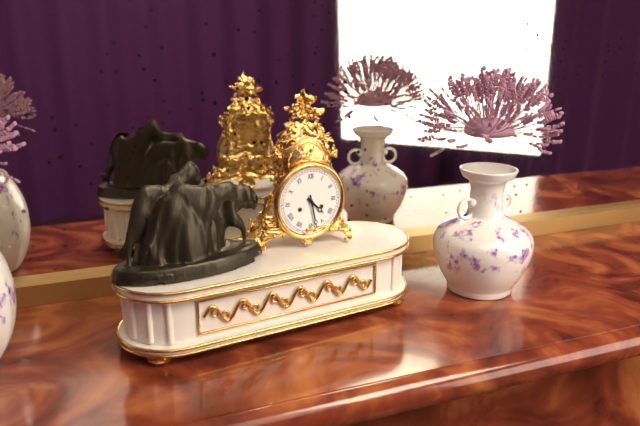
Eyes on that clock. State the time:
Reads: 4:28
